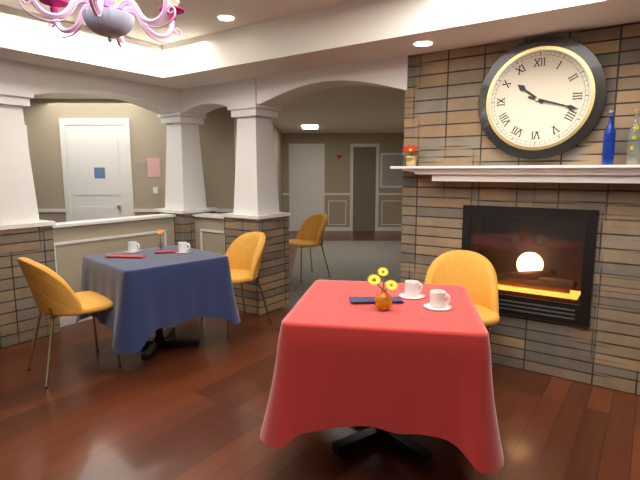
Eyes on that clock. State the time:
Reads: 10:18
